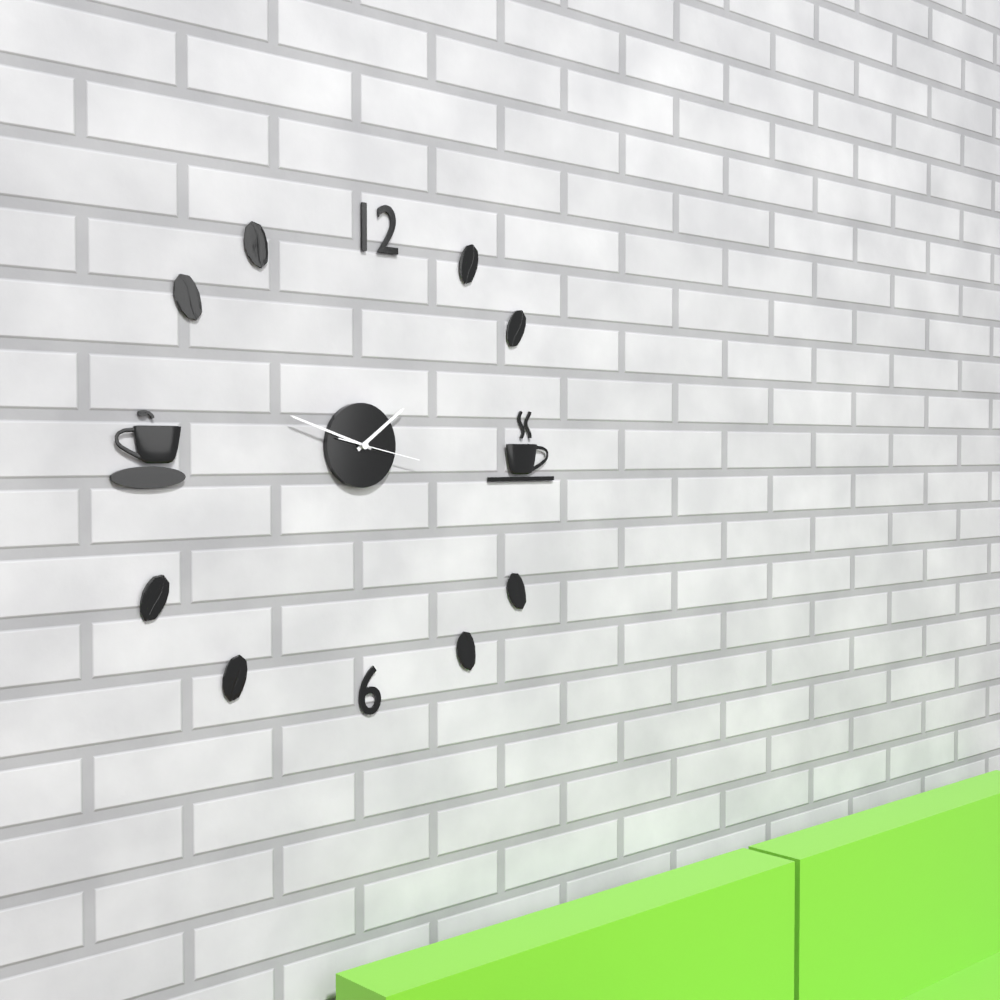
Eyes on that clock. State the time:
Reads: 1:48:17
